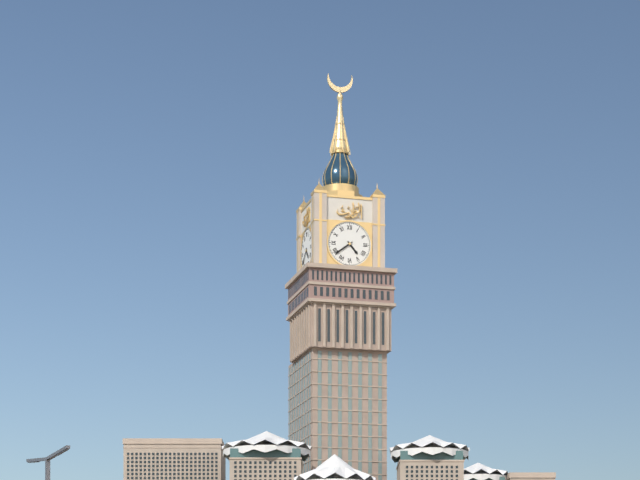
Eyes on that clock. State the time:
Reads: 4:39
